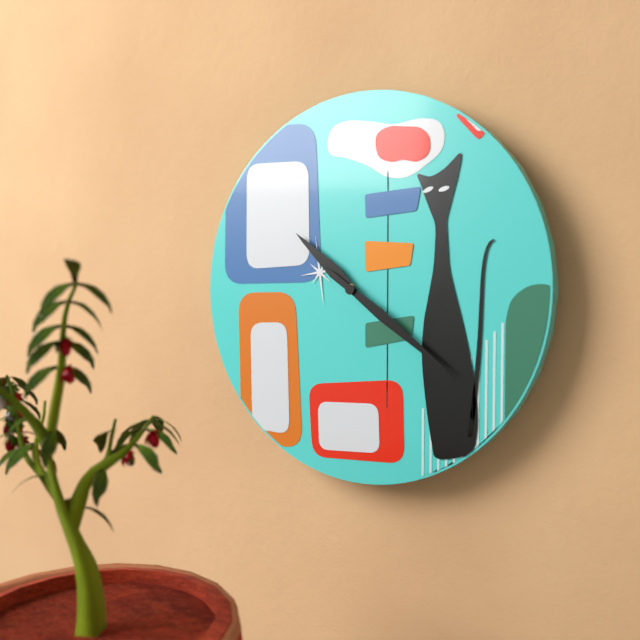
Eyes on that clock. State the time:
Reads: 10:21
